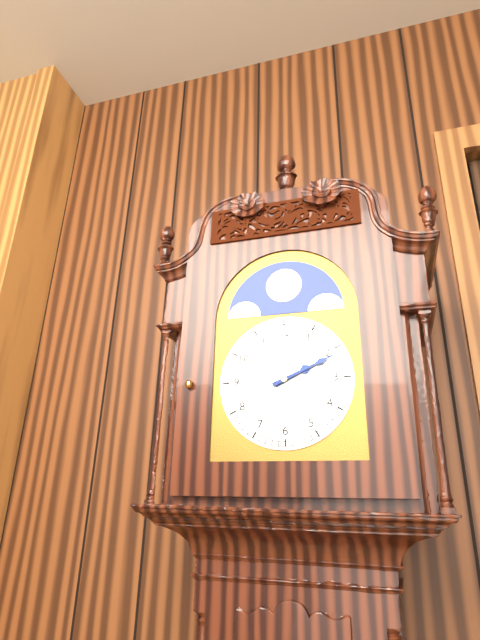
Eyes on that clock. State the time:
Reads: 2:11
